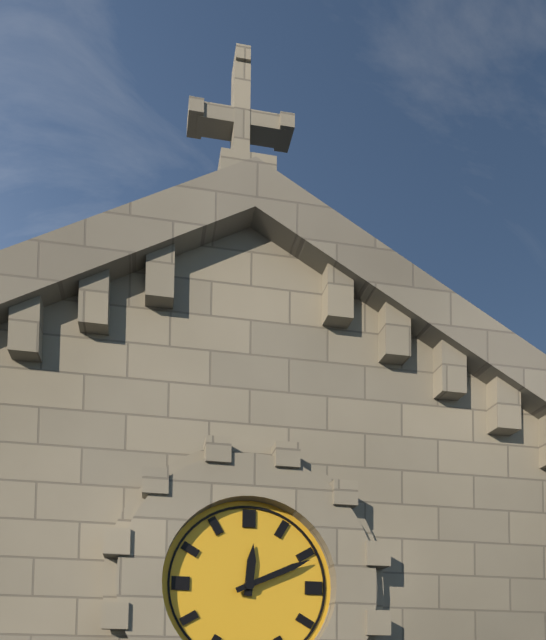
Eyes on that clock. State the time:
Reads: 12:11
